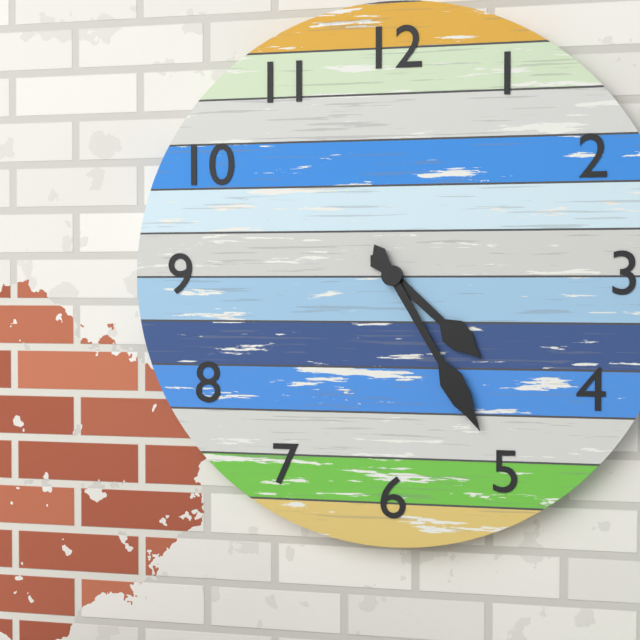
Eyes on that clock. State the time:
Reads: 4:25
